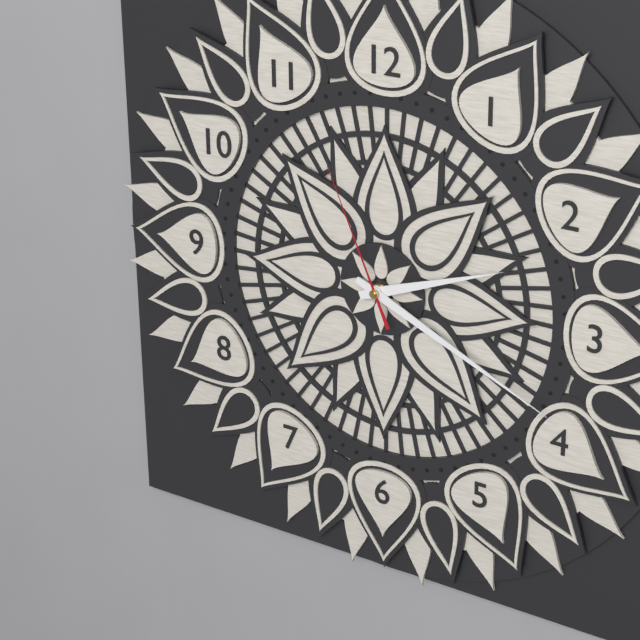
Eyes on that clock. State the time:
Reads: 2:19:56
